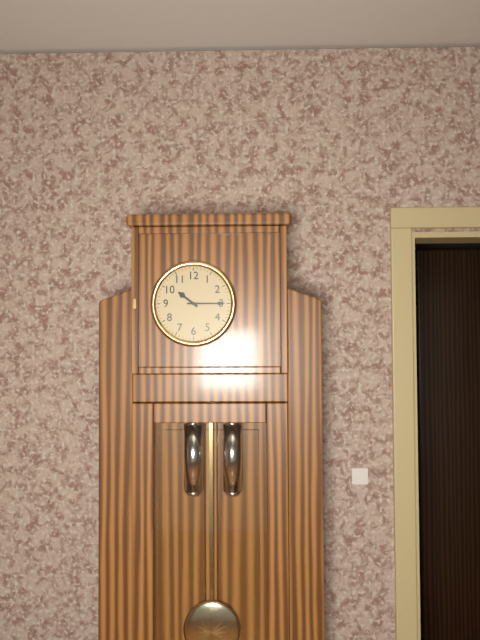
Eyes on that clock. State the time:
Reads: 10:15
